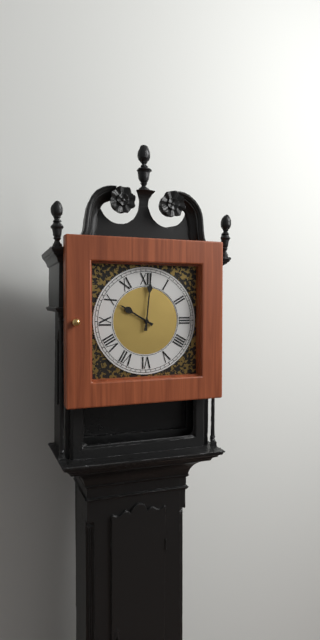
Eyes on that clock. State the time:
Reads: 10:01
